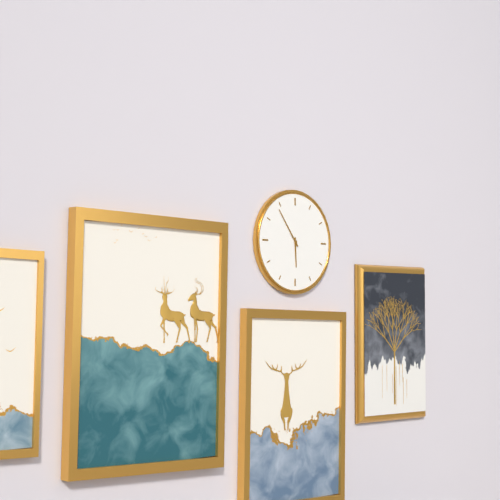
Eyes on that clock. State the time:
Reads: 5:54
